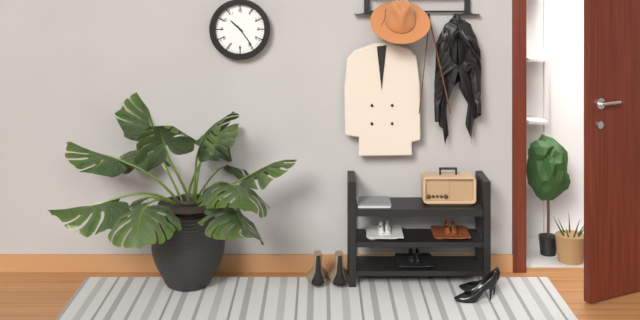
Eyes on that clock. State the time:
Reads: 10:24
